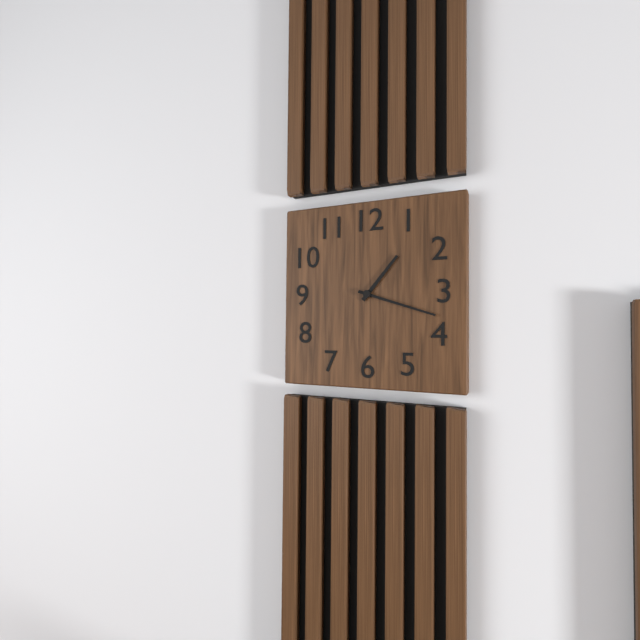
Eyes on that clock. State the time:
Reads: 1:18
